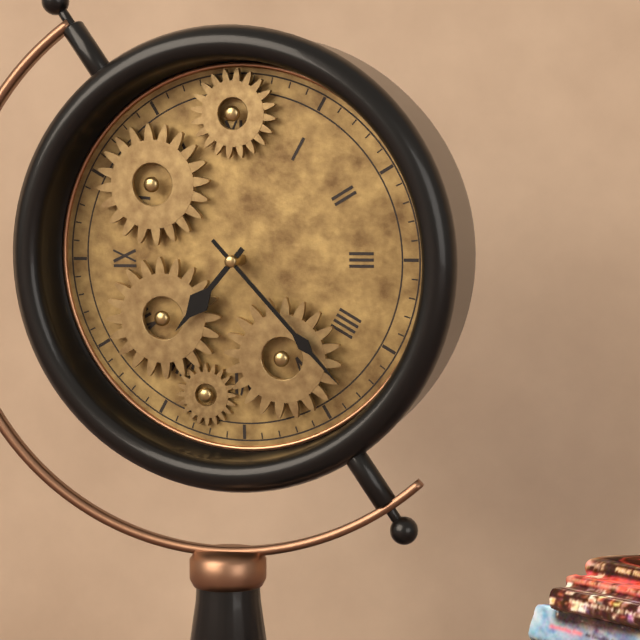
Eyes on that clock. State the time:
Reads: 7:23
